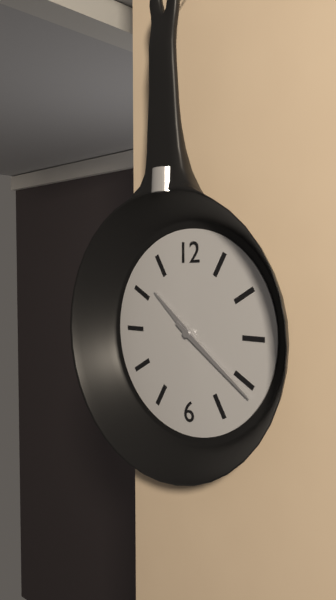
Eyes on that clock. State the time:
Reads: 10:21
